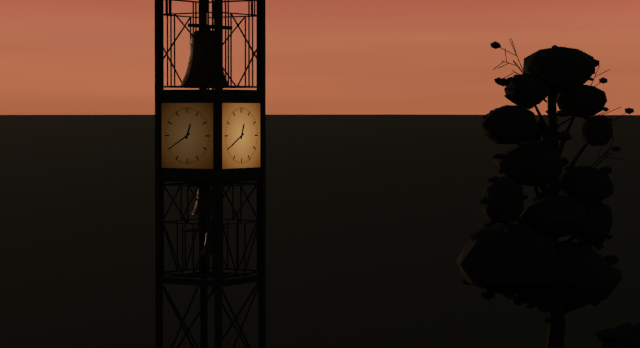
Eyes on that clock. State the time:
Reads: 12:40
